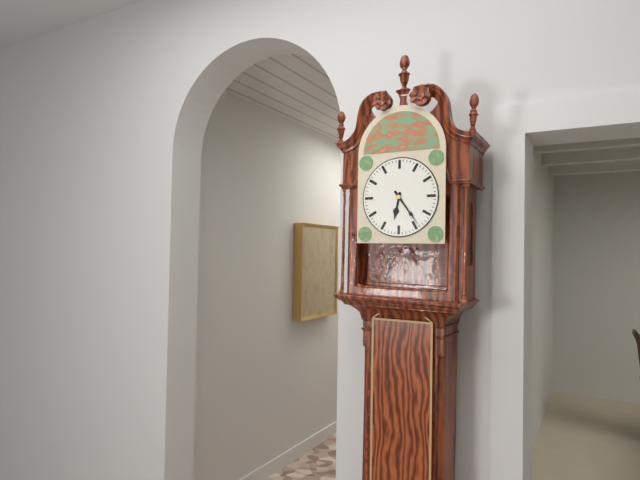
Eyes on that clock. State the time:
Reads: 6:24
